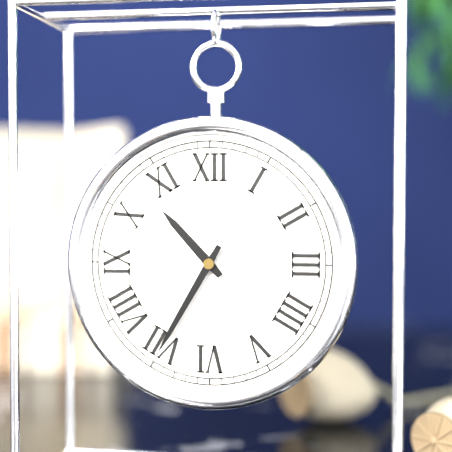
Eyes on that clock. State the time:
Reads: 10:35
